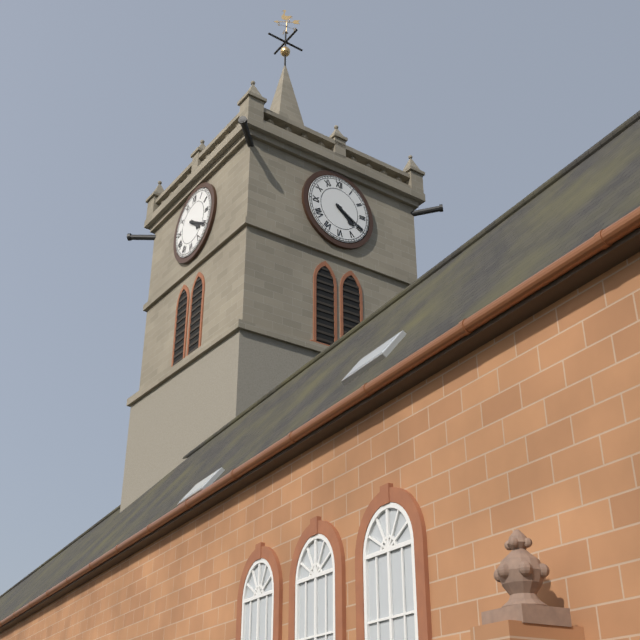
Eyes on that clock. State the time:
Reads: 4:20
